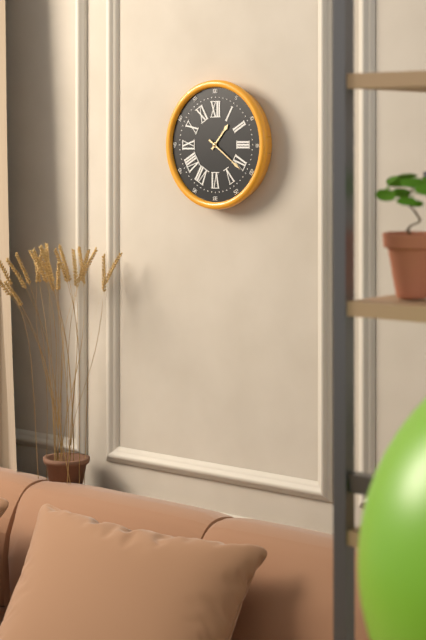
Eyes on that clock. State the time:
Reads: 1:21
